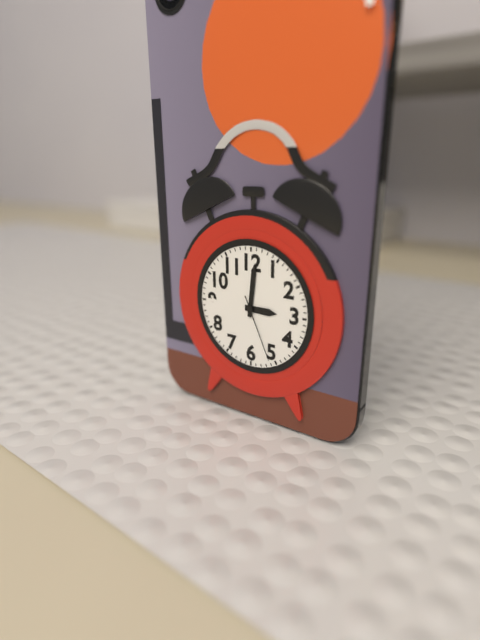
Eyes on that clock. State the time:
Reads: 3:01:26
